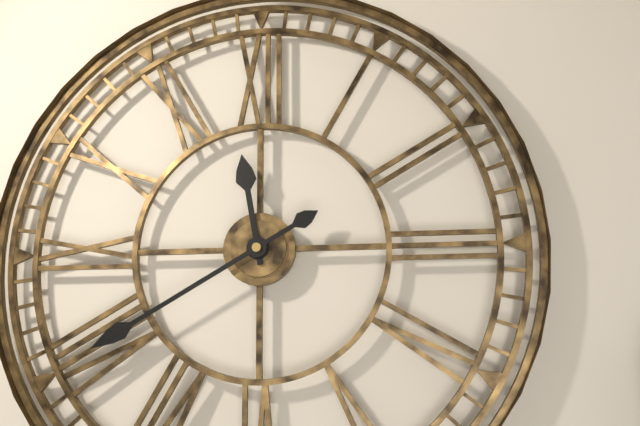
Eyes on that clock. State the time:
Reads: 11:40
